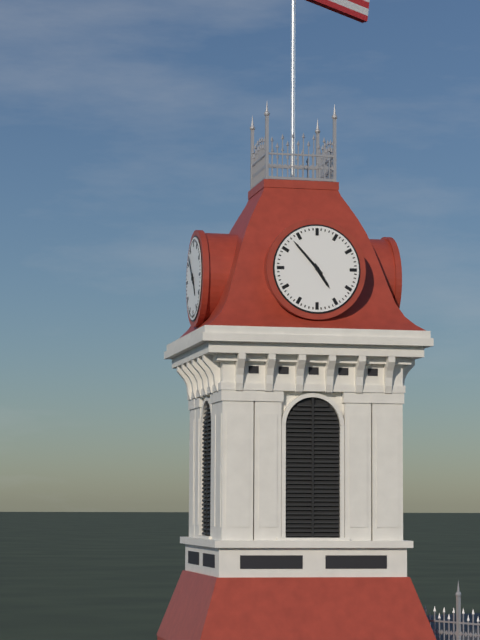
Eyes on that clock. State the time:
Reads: 4:53
